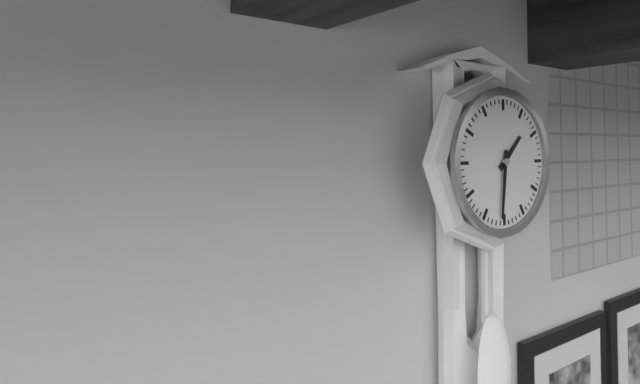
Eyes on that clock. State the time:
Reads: 1:31
